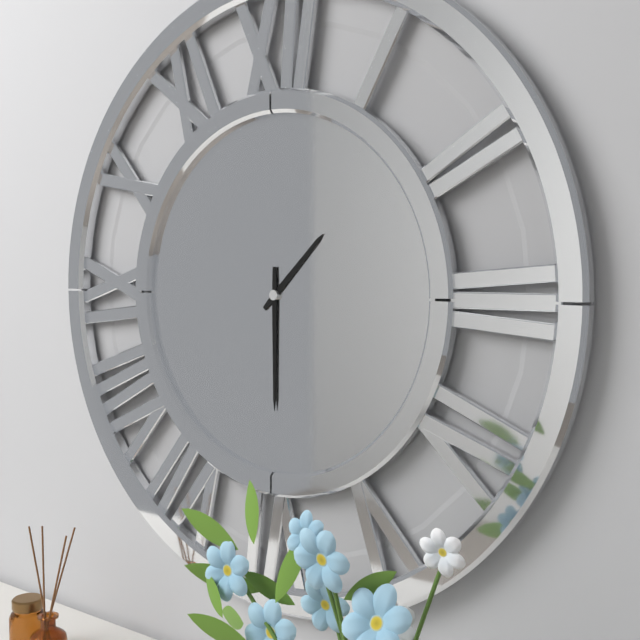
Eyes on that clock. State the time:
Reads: 1:30
